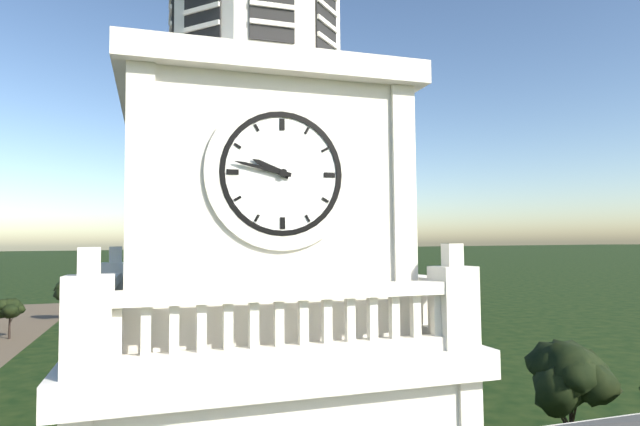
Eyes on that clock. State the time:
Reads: 9:47
